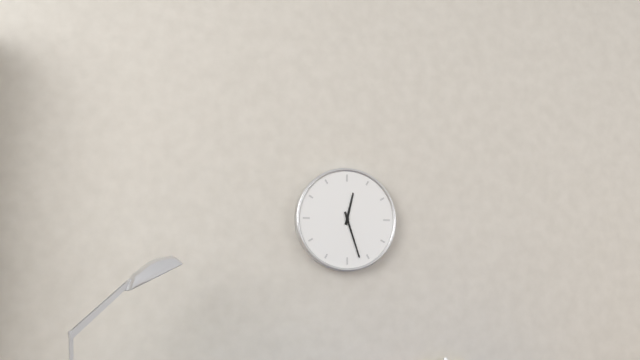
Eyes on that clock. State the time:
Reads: 12:27
